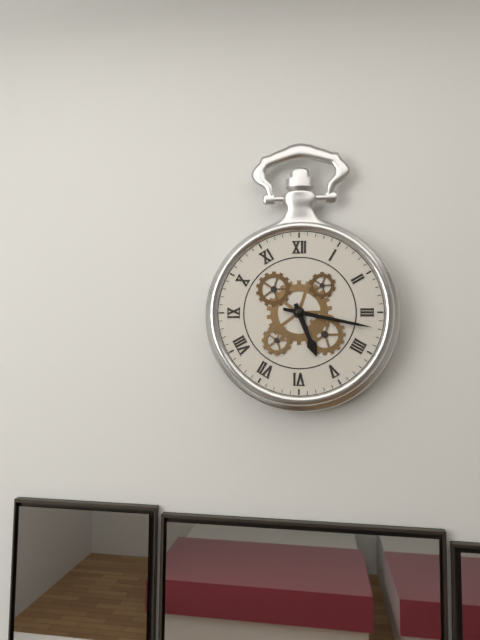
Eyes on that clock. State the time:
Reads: 5:17
